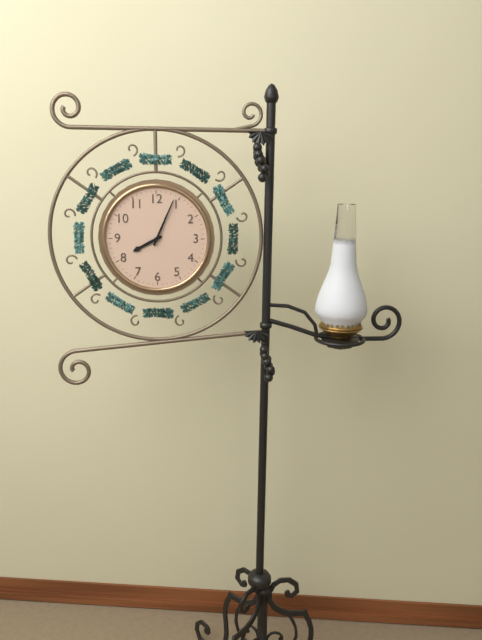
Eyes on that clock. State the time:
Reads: 8:04
